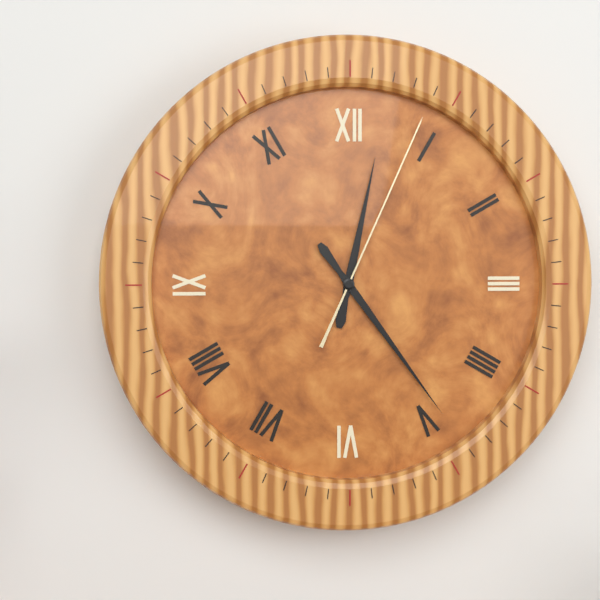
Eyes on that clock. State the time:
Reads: 12:24:04
